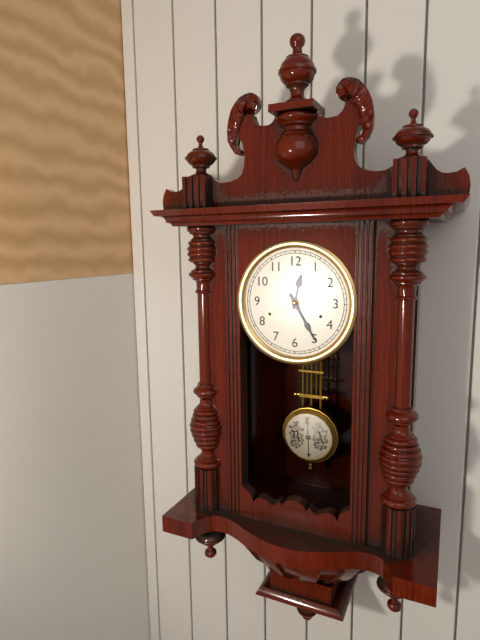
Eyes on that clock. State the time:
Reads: 12:25
